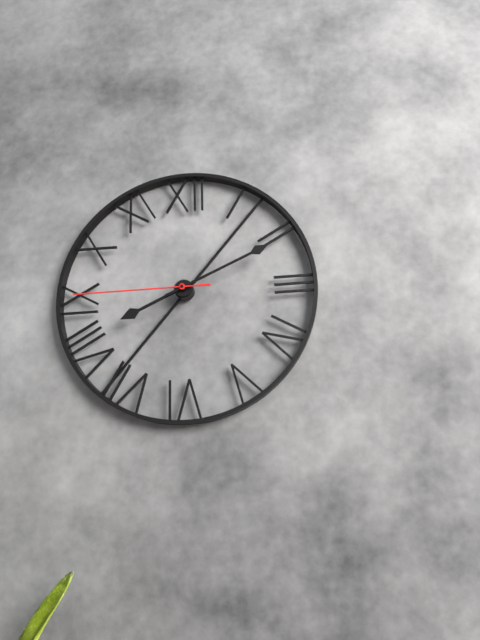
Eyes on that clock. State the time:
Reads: 8:11:45
